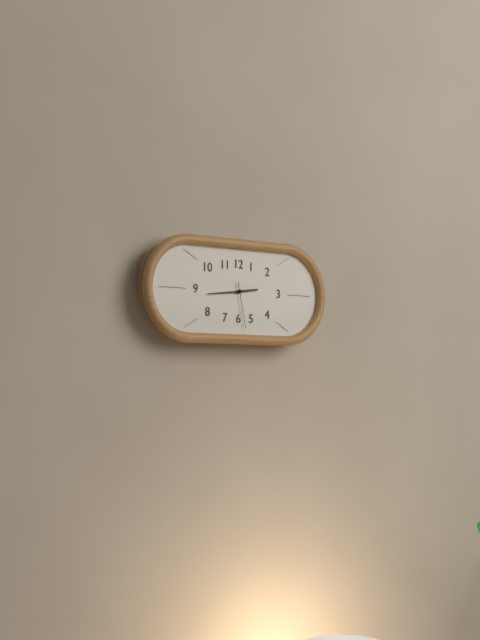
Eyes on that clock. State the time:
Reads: 2:44
